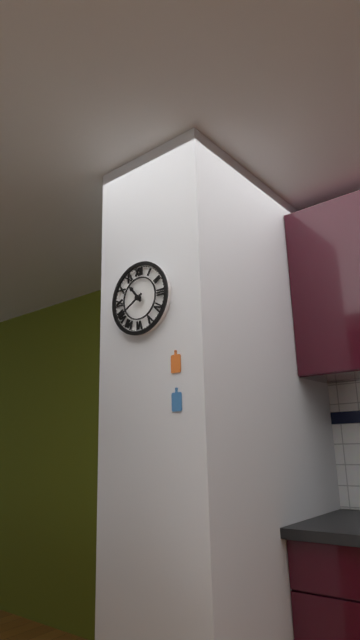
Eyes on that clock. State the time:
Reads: 10:40
